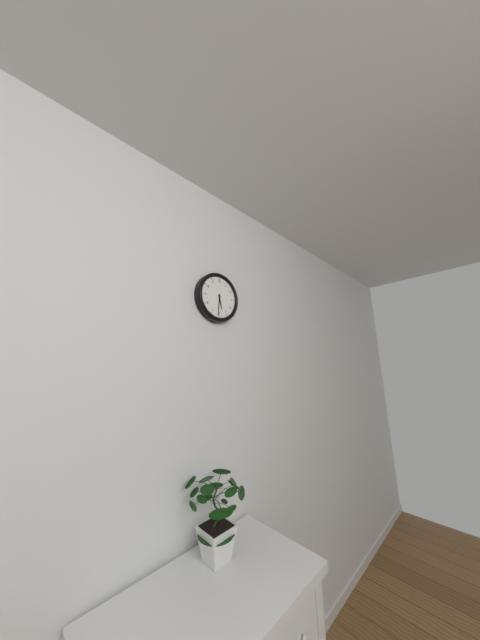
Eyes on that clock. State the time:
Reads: 5:31
